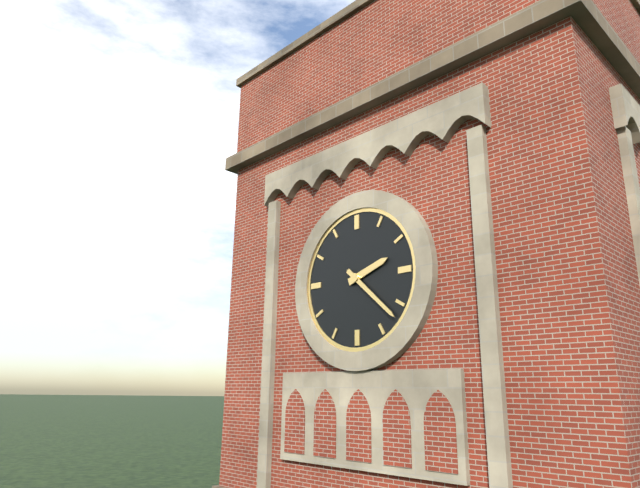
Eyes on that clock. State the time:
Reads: 2:22
